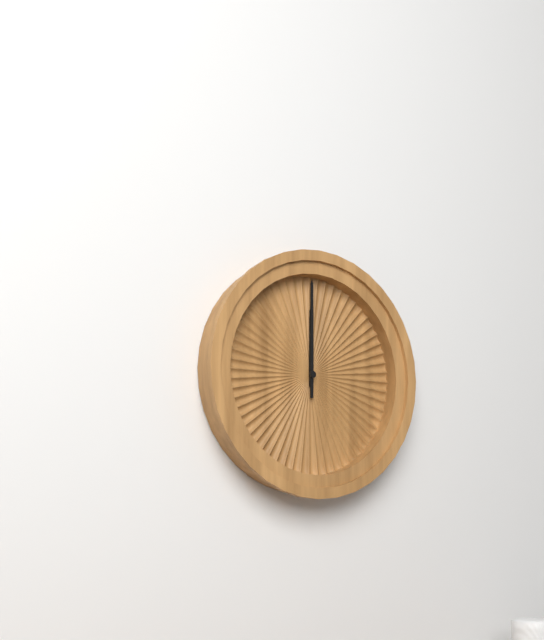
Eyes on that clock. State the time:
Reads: 12:00
